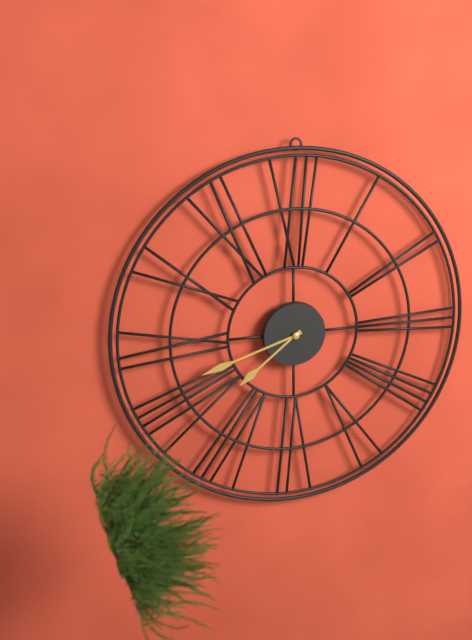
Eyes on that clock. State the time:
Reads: 7:42
